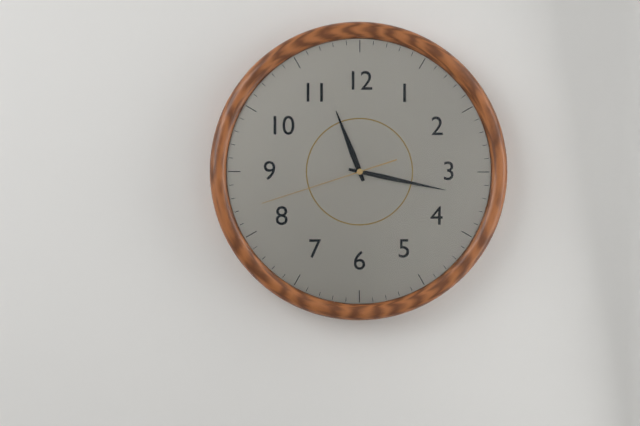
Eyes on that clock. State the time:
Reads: 11:17:42
